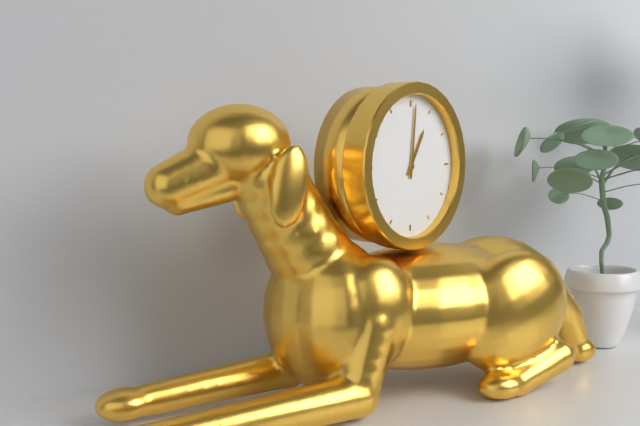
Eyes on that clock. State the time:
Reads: 1:01
